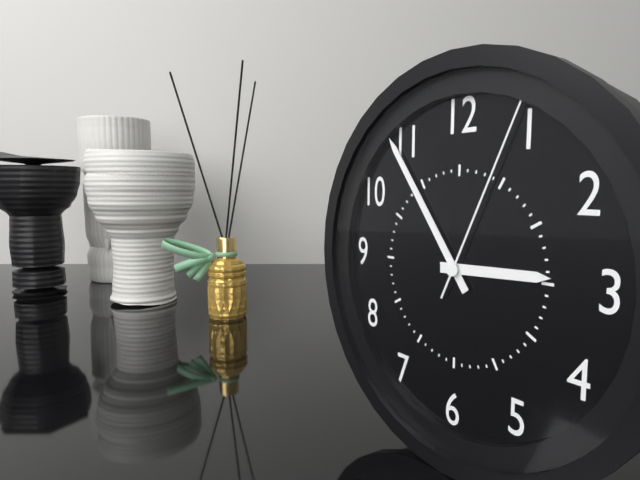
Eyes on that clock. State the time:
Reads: 2:54:04
